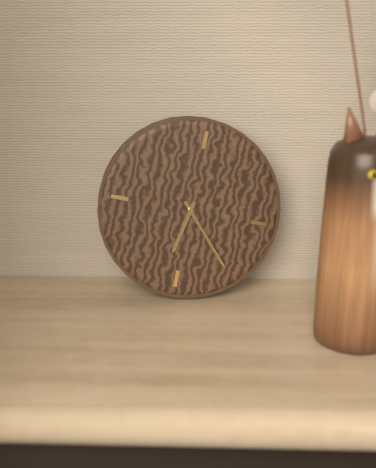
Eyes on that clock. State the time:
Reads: 6:23
